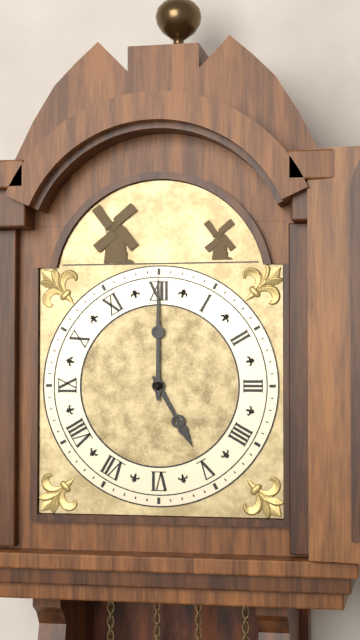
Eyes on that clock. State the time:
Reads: 5:00
